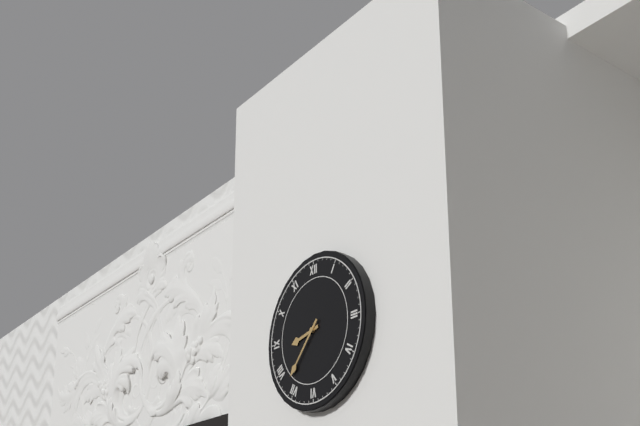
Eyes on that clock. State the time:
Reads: 8:37
